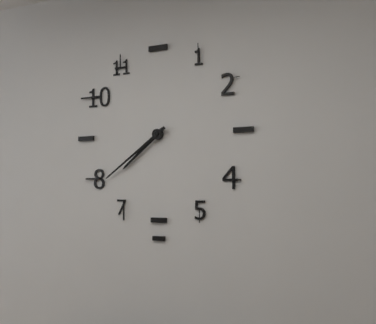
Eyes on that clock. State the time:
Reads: 7:39
